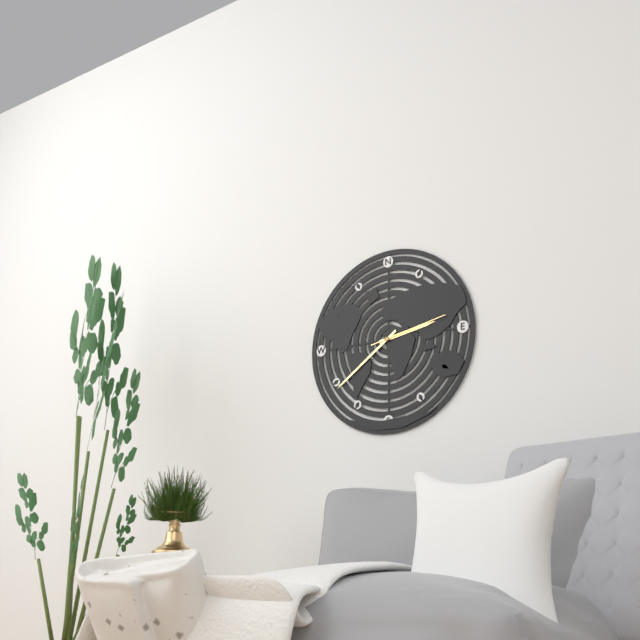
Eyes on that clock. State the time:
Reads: 2:39:13
